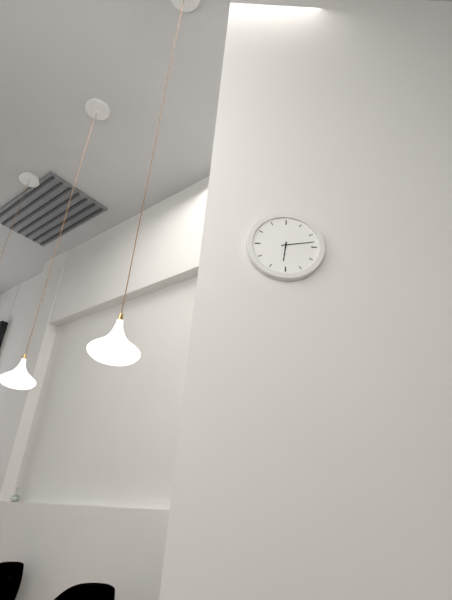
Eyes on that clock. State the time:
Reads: 6:13
